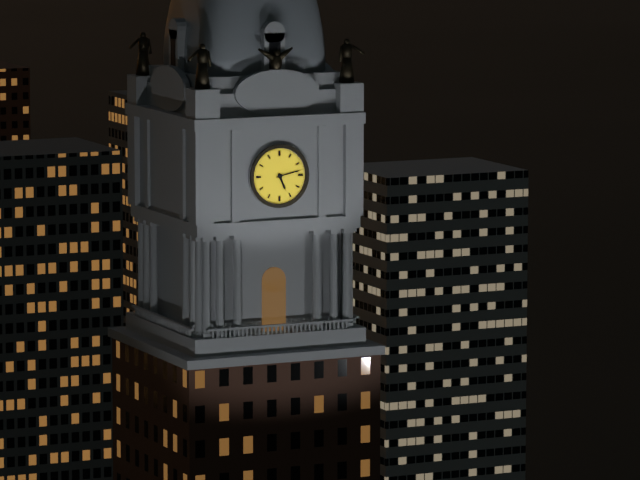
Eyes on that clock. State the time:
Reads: 5:13
